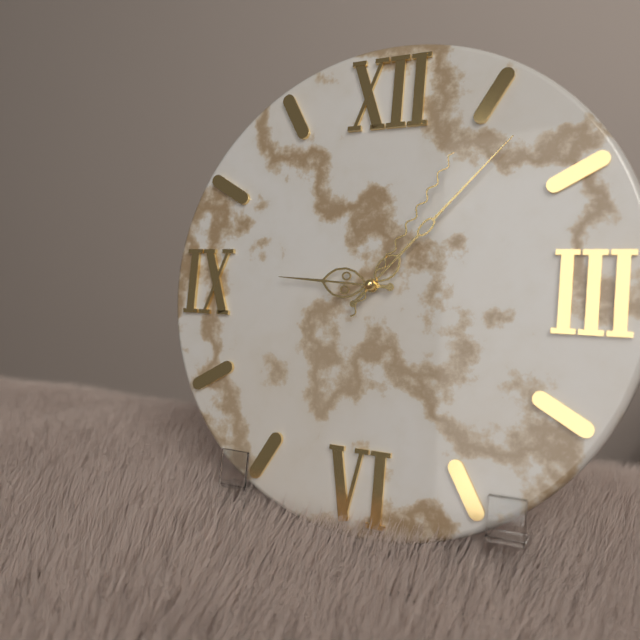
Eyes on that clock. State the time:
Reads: 9:07:05
